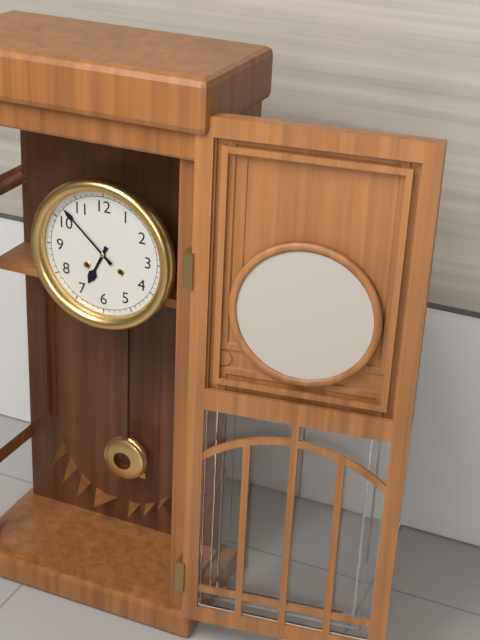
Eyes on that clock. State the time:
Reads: 6:52
